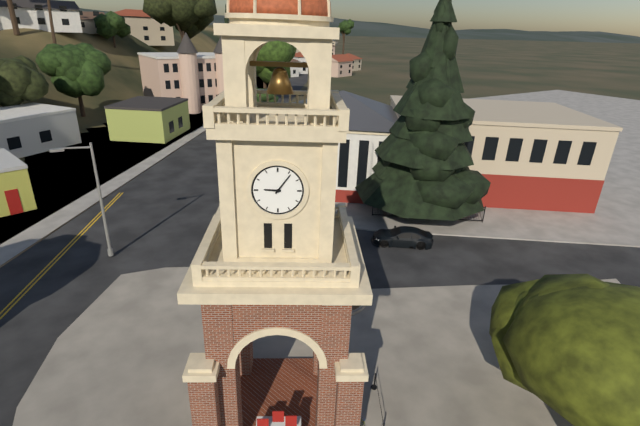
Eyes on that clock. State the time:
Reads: 9:06
